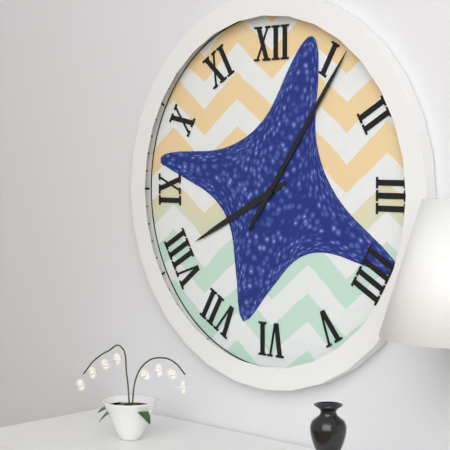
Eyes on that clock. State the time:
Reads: 8:06
